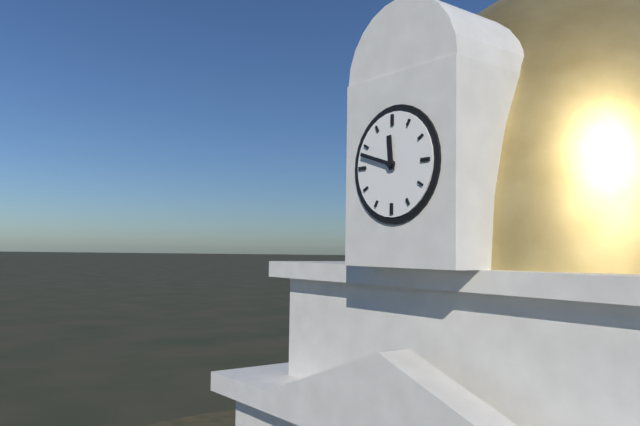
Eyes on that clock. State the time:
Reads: 11:48
